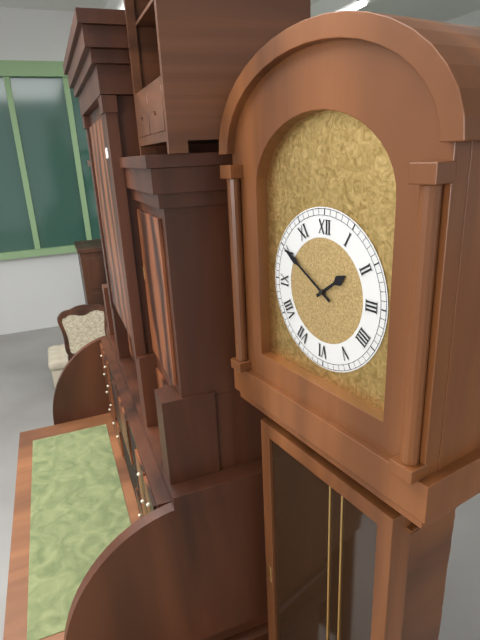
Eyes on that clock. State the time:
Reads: 1:50
